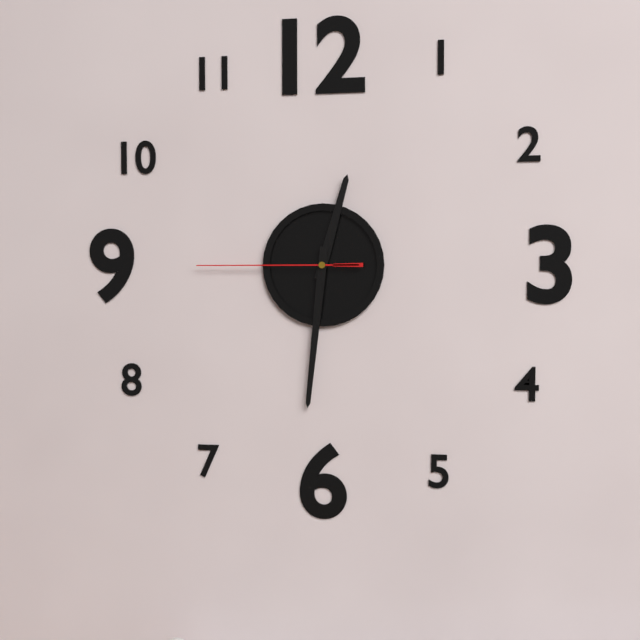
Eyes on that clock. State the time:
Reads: 12:31:45
